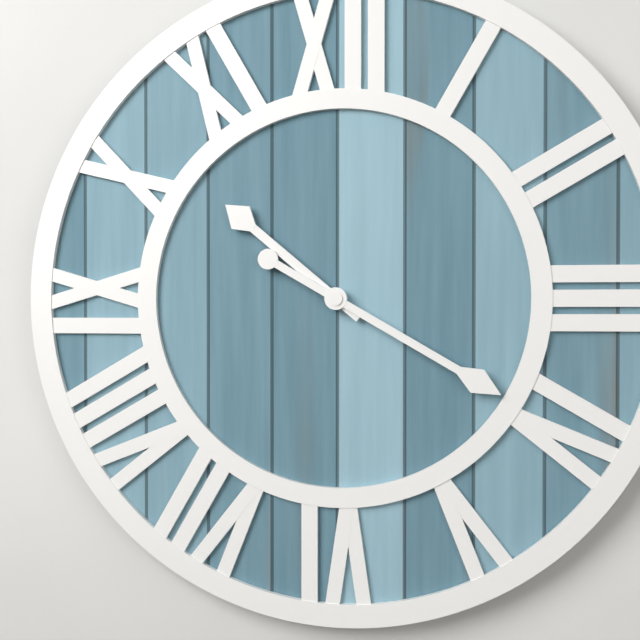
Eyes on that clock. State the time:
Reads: 10:20
